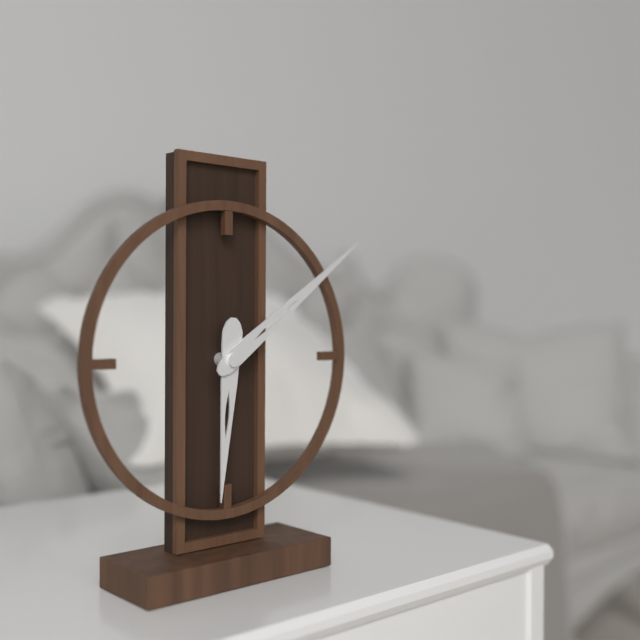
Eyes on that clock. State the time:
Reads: 6:09
